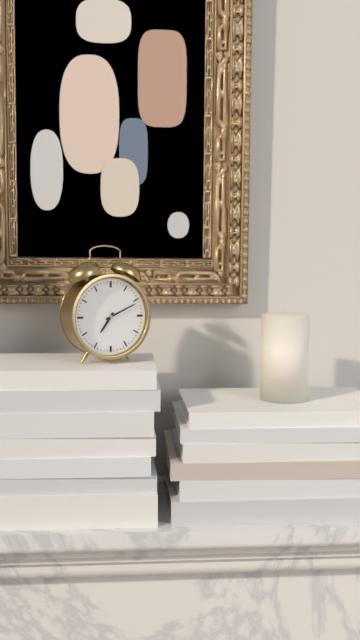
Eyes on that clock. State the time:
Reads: 7:11
